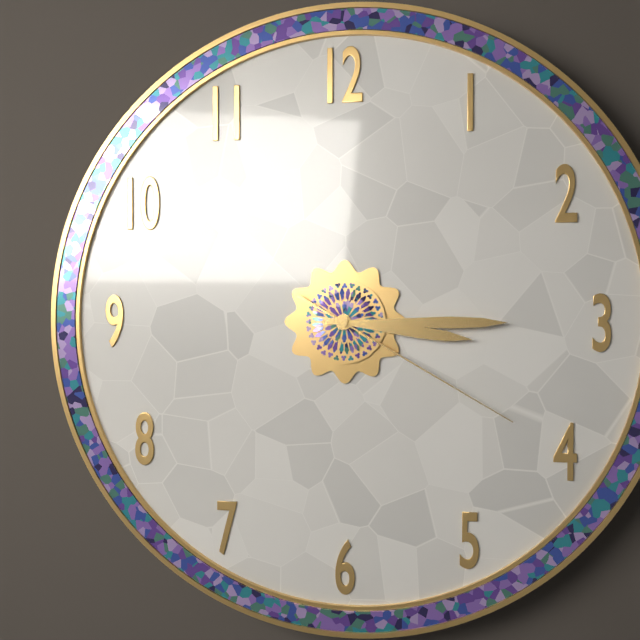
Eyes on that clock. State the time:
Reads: 3:15:20
